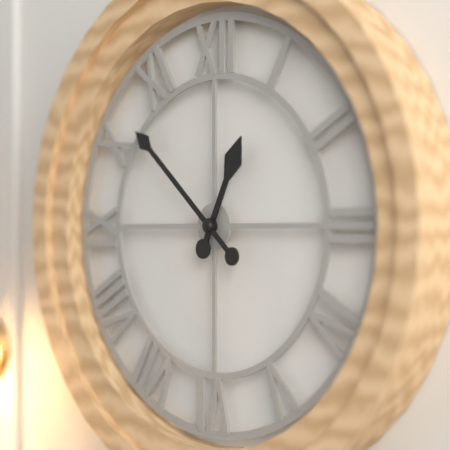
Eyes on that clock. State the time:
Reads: 12:52
